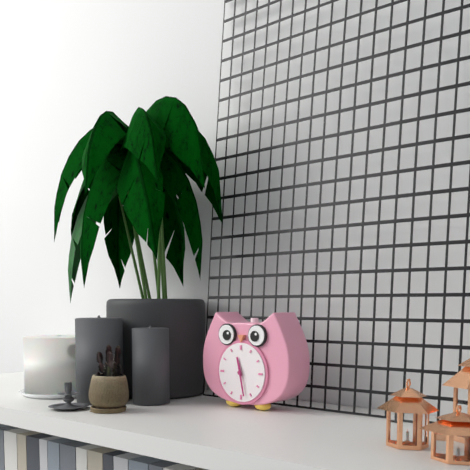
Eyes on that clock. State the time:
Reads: 11:28
